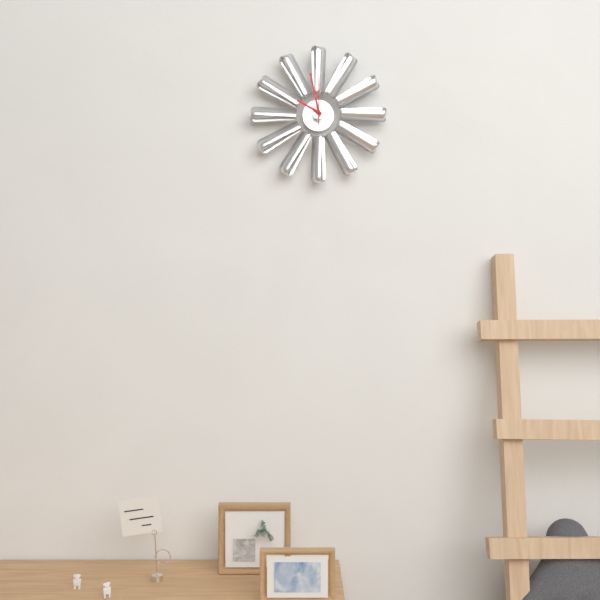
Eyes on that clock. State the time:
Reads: 9:58:00
